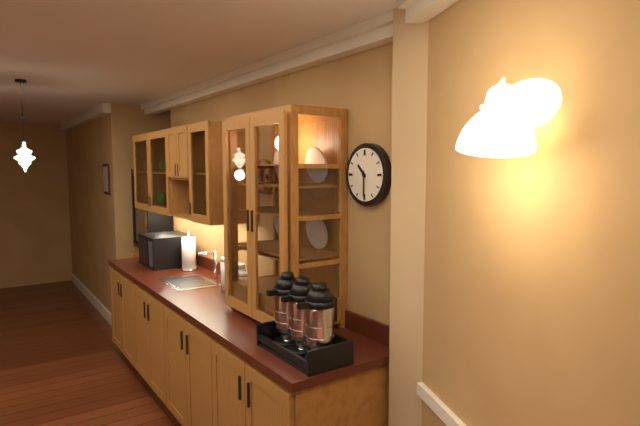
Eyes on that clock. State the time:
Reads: 10:30
